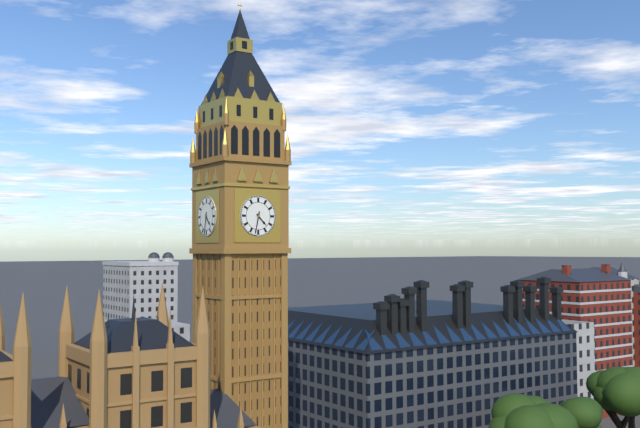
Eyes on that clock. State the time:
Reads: 4:32
